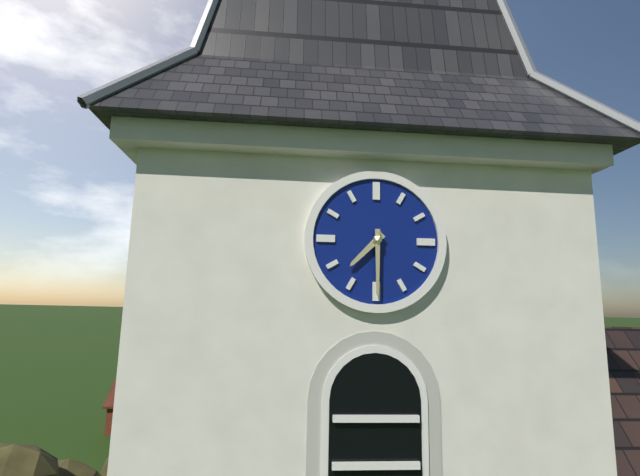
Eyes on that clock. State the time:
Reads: 7:30
